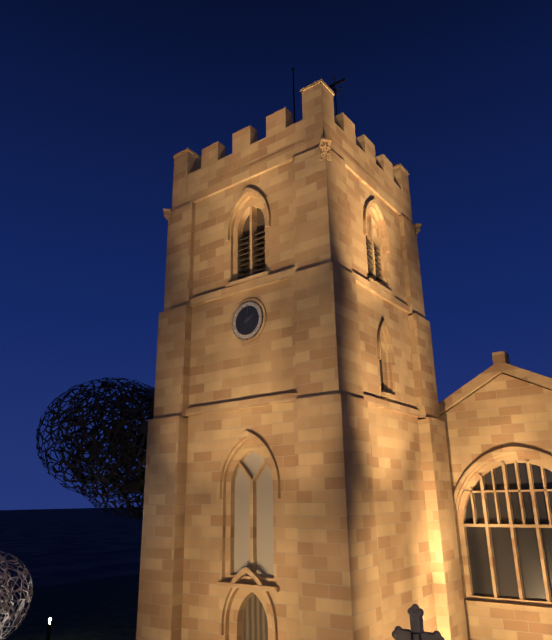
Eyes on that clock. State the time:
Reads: 2:01
